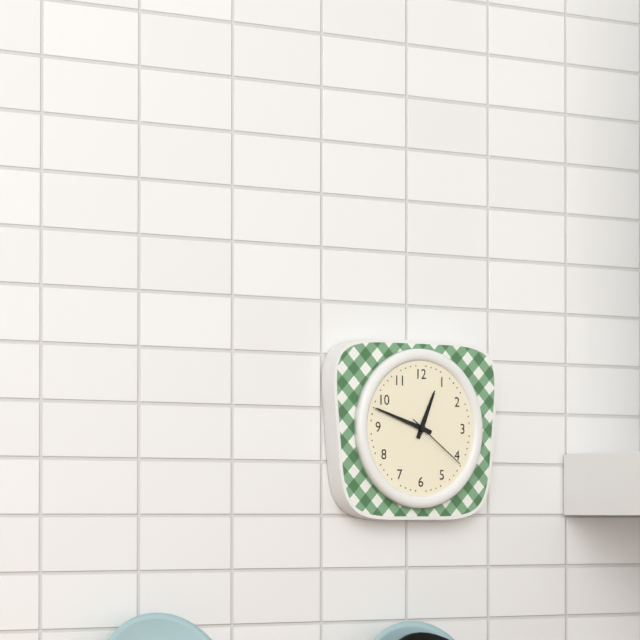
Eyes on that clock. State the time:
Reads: 12:48:21
